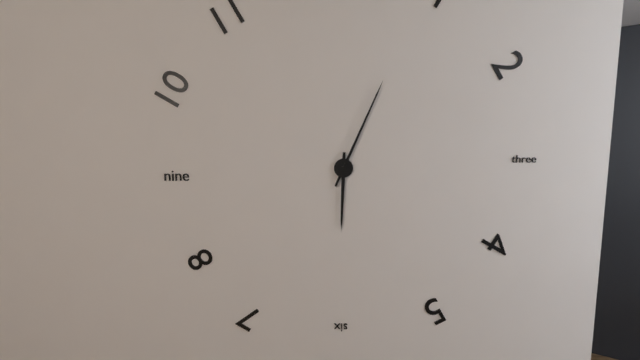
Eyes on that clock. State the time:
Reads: 6:04
